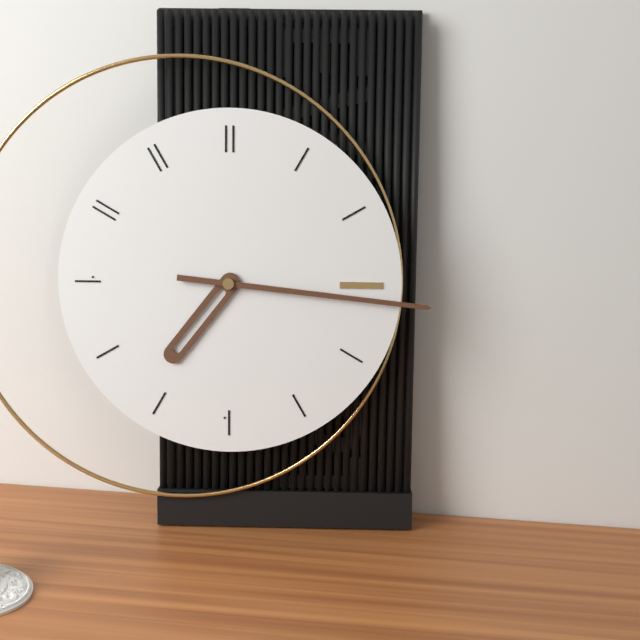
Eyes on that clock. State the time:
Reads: 7:16
